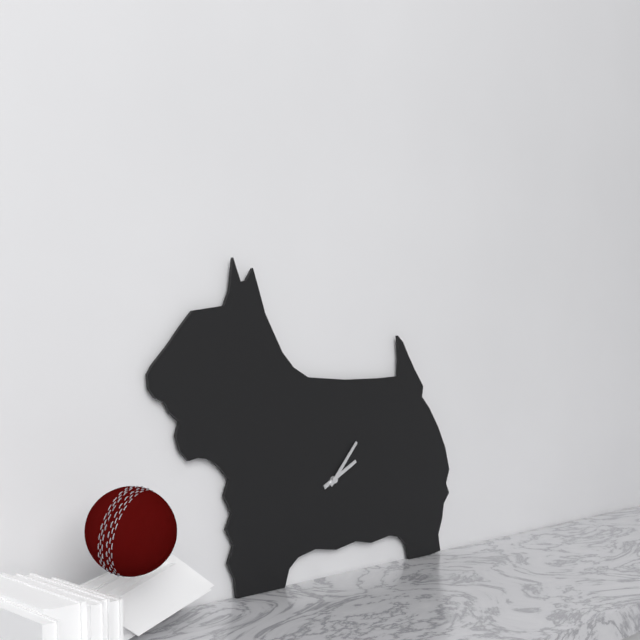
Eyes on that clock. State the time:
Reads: 2:07
